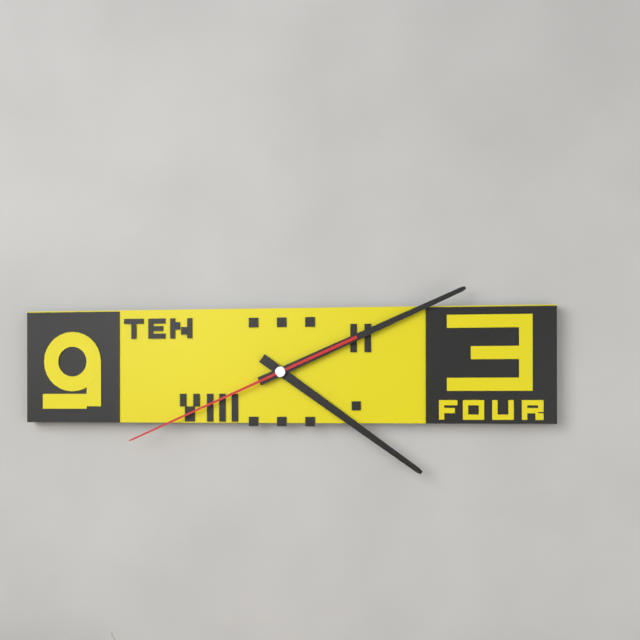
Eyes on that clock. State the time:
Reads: 4:11:41
